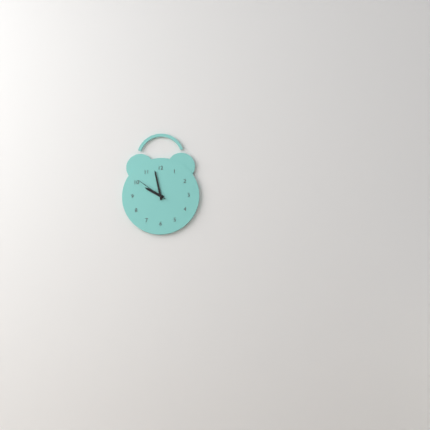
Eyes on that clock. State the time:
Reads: 9:58
